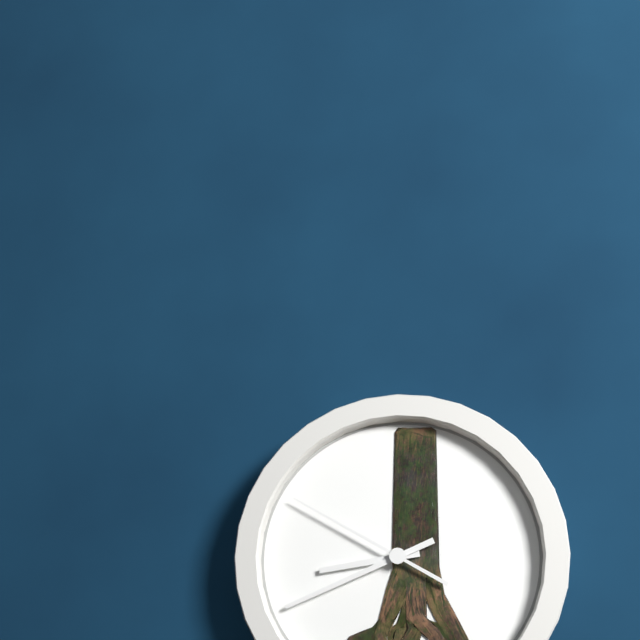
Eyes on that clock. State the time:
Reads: 8:41:50
